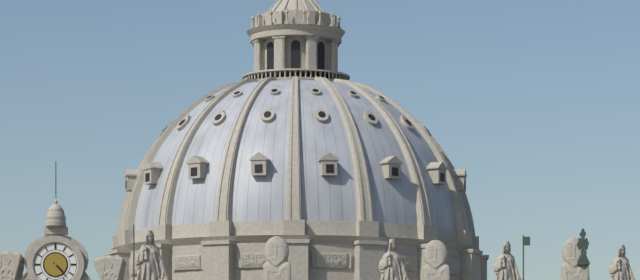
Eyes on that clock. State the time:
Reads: 4:23
